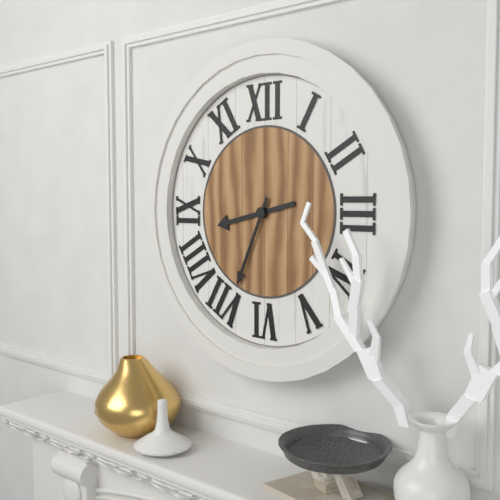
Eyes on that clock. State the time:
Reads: 8:34
